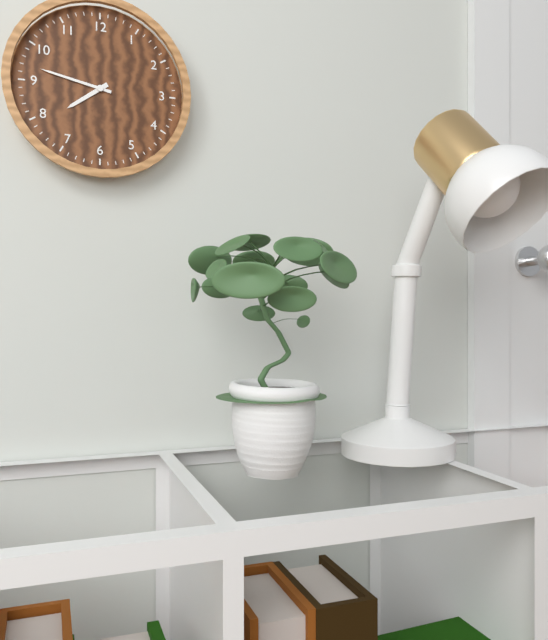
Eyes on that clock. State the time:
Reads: 7:47
